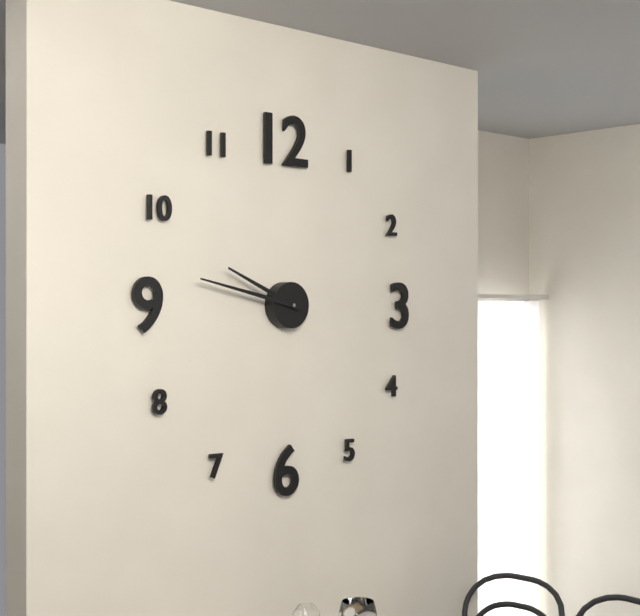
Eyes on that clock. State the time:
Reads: 9:47
